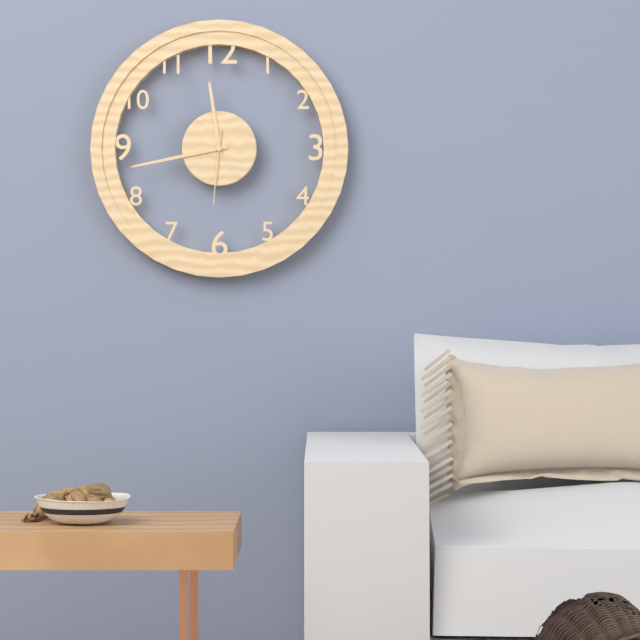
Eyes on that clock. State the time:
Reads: 11:43:31
